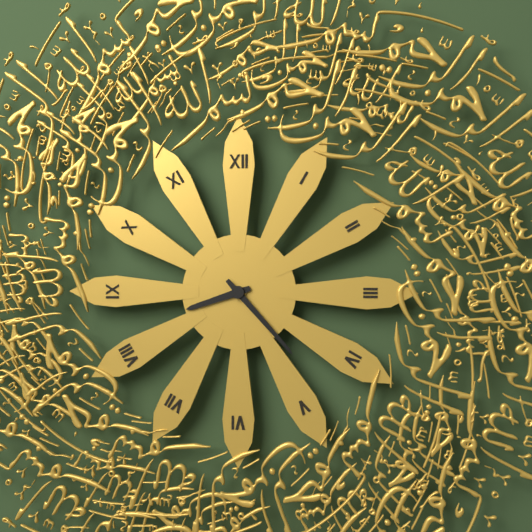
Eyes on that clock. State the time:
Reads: 8:23
